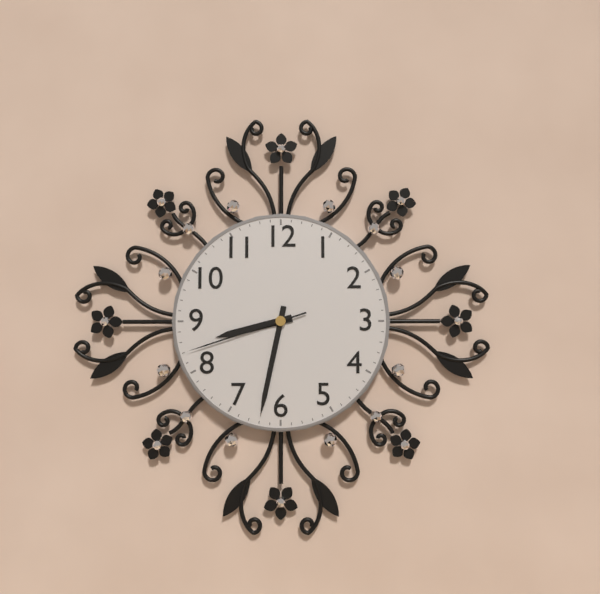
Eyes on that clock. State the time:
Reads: 8:32:42
